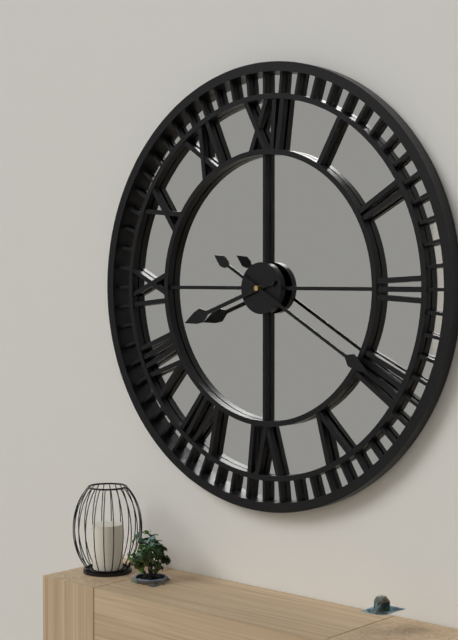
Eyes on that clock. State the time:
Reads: 8:20
